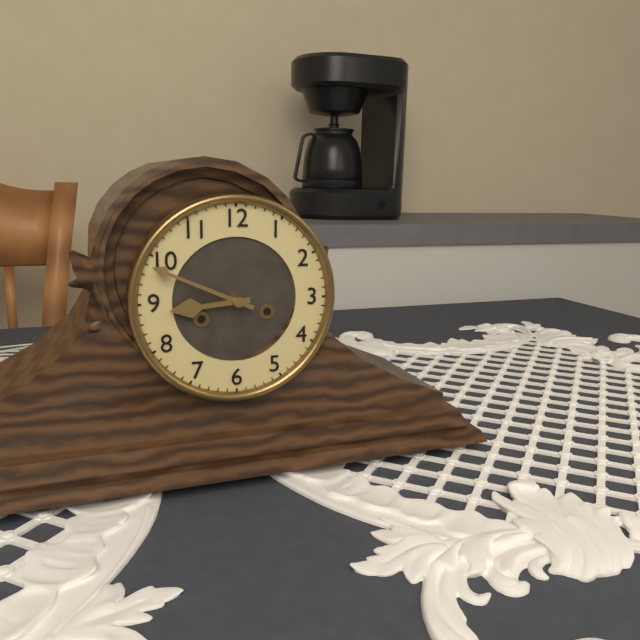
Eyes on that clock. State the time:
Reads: 8:49
